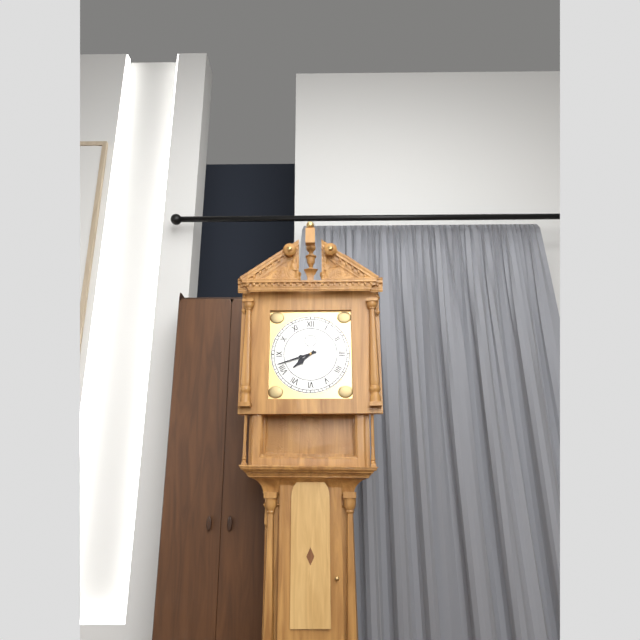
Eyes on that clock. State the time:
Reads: 7:42
